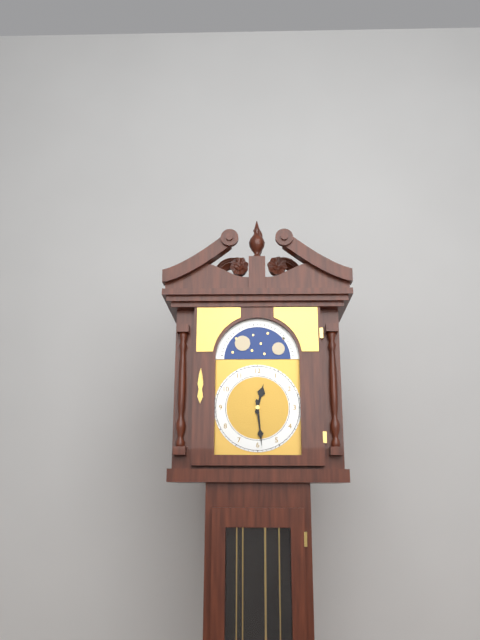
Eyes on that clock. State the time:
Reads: 12:29
